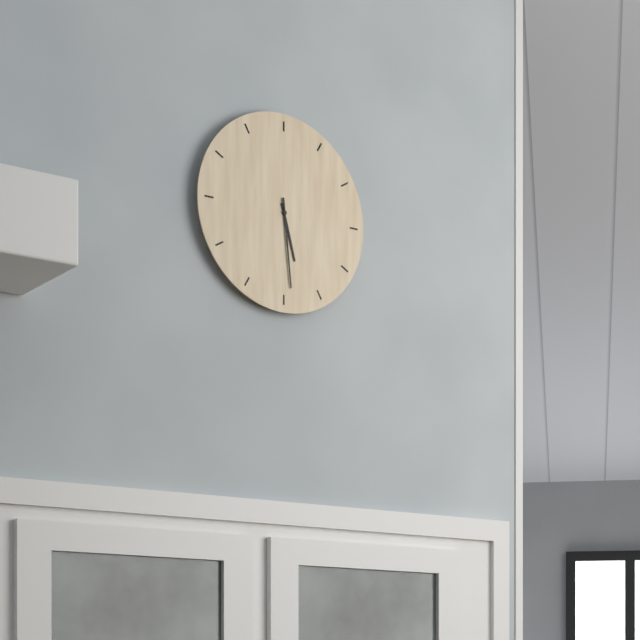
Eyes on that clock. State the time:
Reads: 5:29
